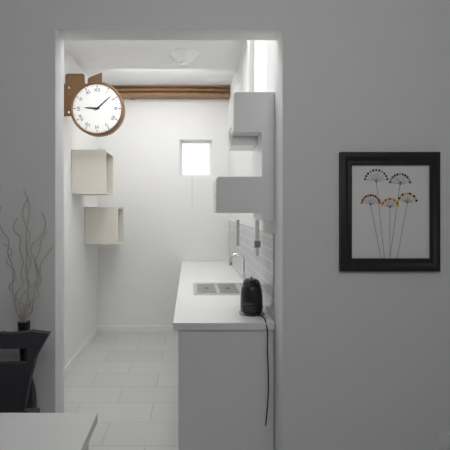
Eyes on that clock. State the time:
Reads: 9:08
